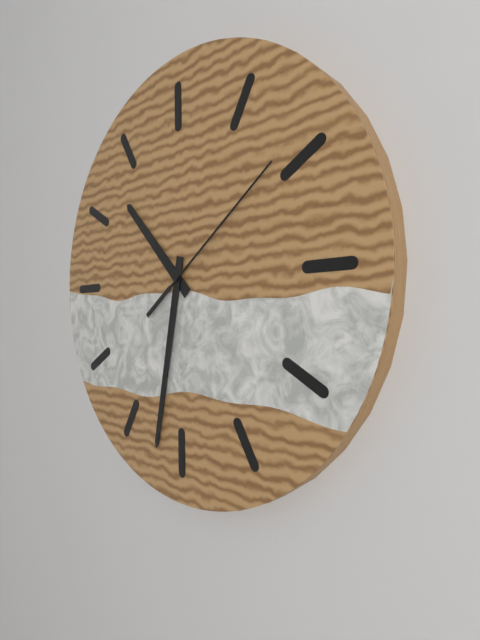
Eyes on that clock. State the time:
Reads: 10:32:09
